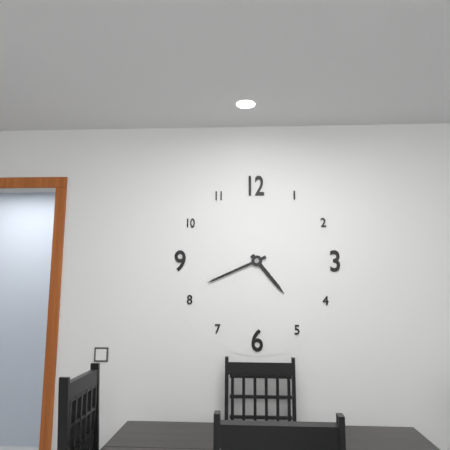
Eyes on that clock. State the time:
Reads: 4:41
